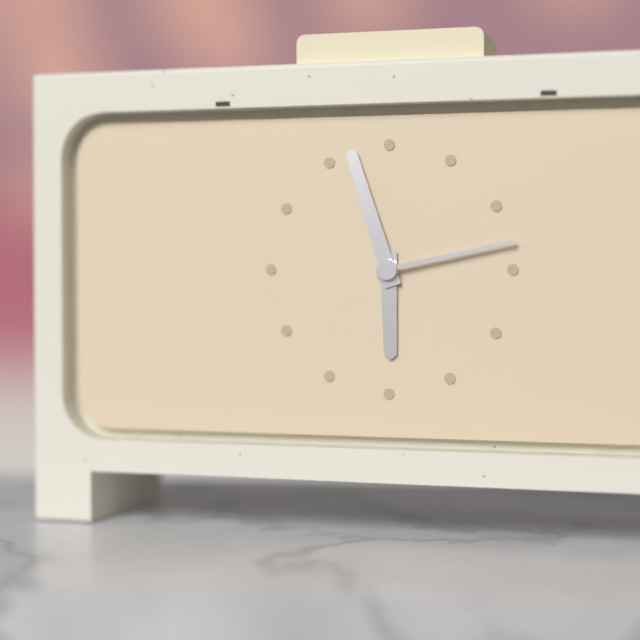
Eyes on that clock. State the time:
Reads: 5:57:13
